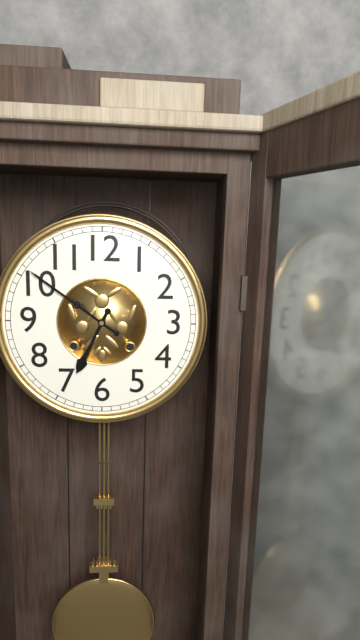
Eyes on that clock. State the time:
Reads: 6:51
